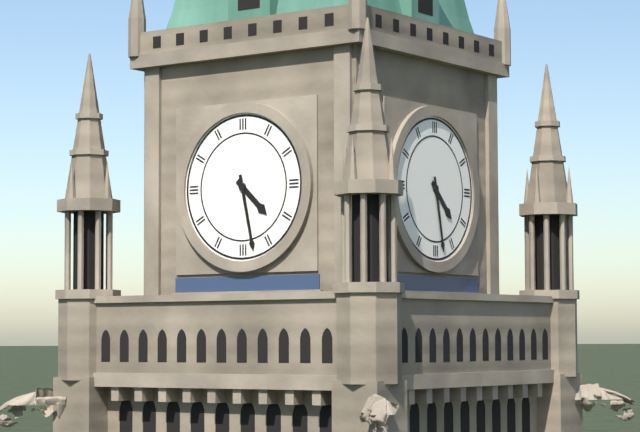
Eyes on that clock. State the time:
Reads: 4:28
